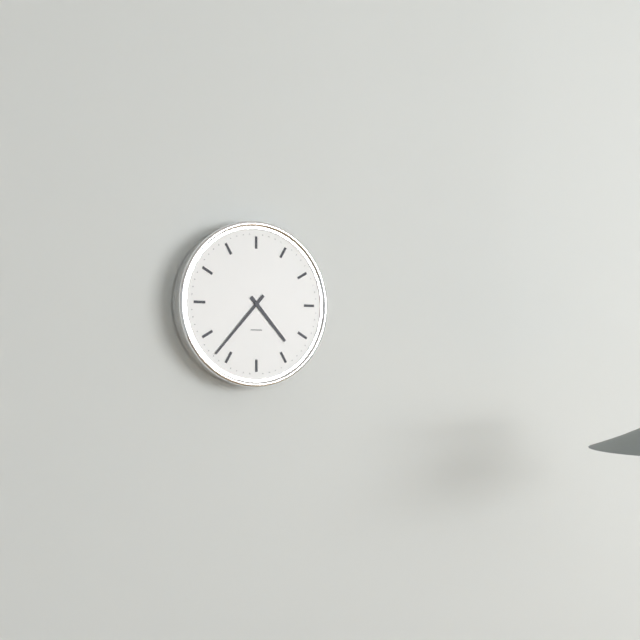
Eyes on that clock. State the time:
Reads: 4:37
